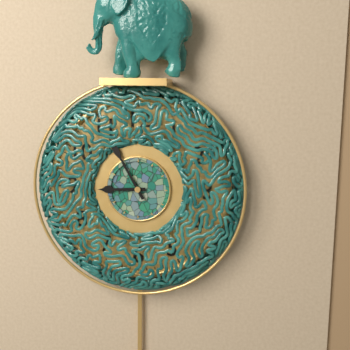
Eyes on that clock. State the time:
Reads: 8:55
